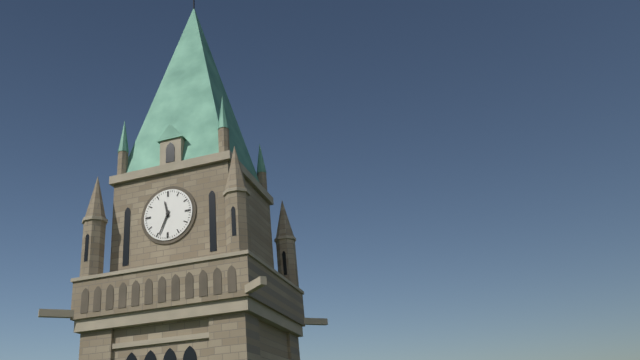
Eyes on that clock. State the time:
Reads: 11:34
